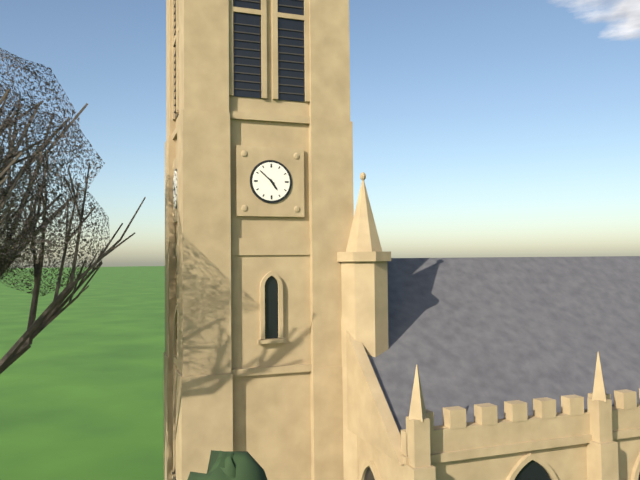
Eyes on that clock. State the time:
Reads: 4:52
